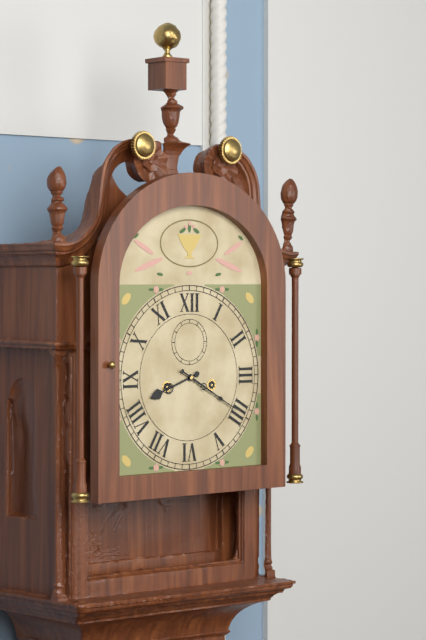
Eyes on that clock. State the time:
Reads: 8:20
